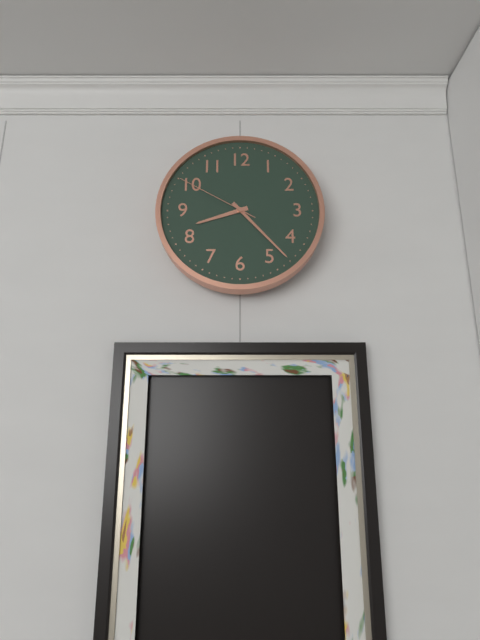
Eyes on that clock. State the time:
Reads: 8:23:50
